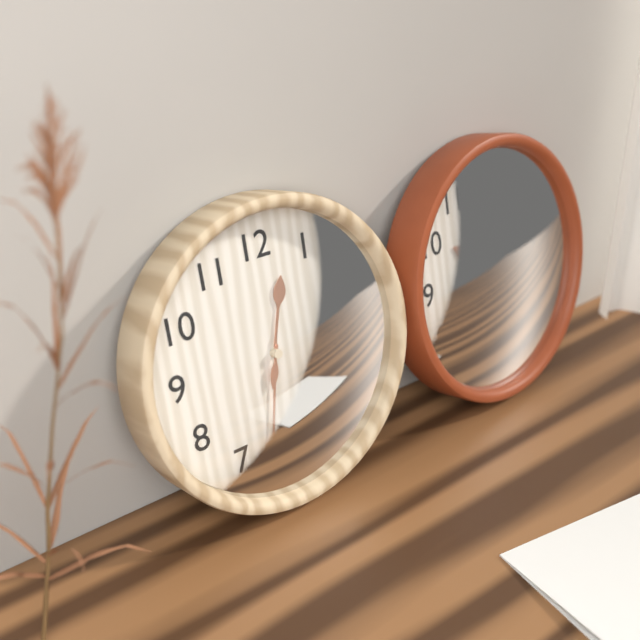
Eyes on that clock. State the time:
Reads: 12:32
